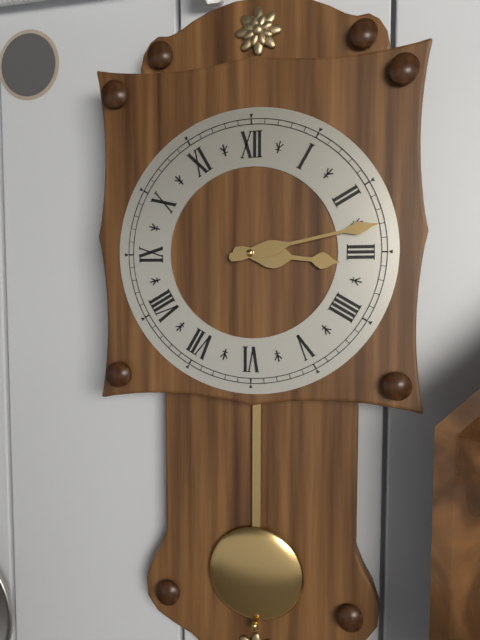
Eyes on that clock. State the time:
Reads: 3:13
